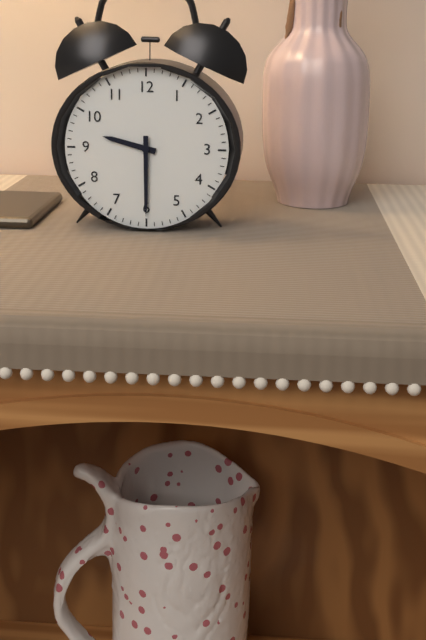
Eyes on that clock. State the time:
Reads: 9:30
